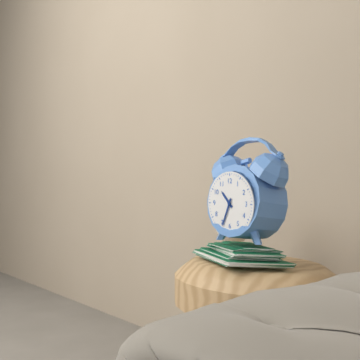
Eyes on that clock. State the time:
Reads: 10:34
